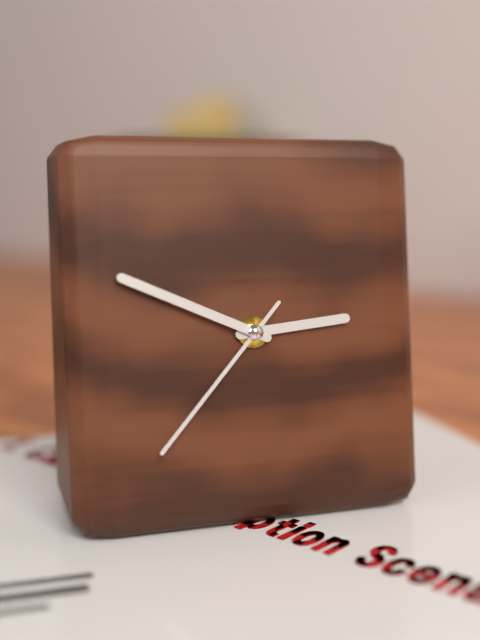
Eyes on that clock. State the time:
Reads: 2:49:37
